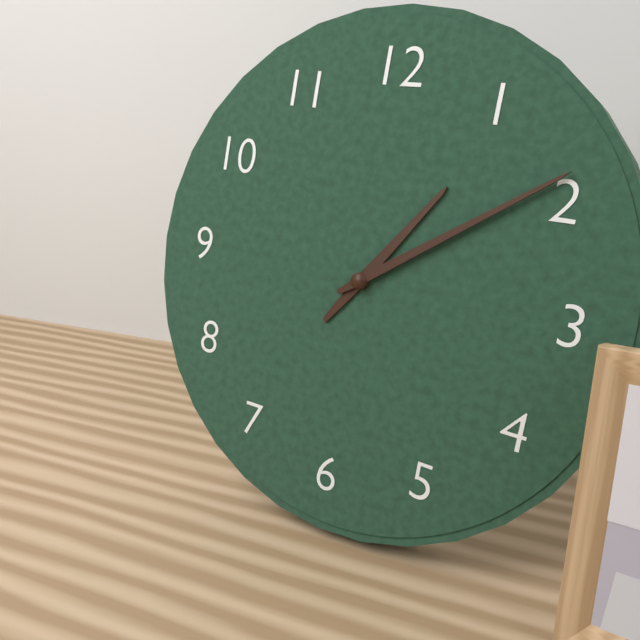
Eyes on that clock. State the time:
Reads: 1:09
